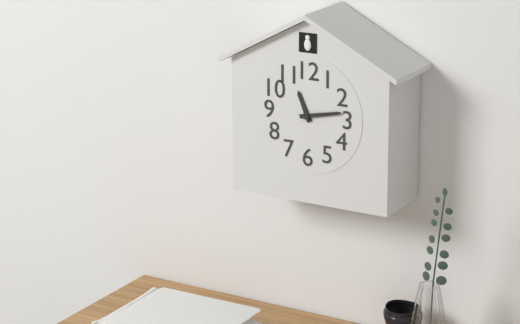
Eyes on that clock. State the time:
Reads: 11:13
